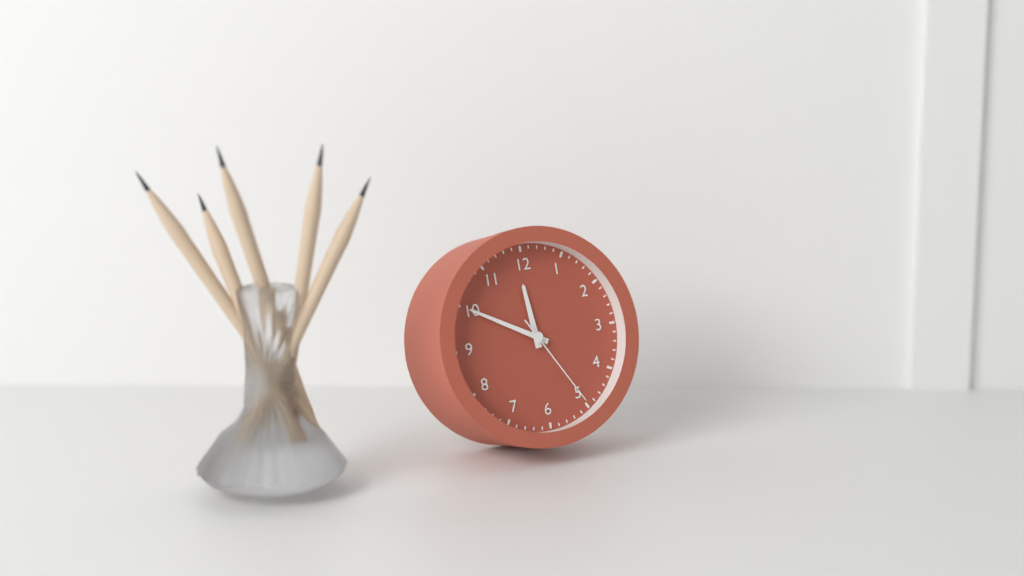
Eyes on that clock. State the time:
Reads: 11:50:25
